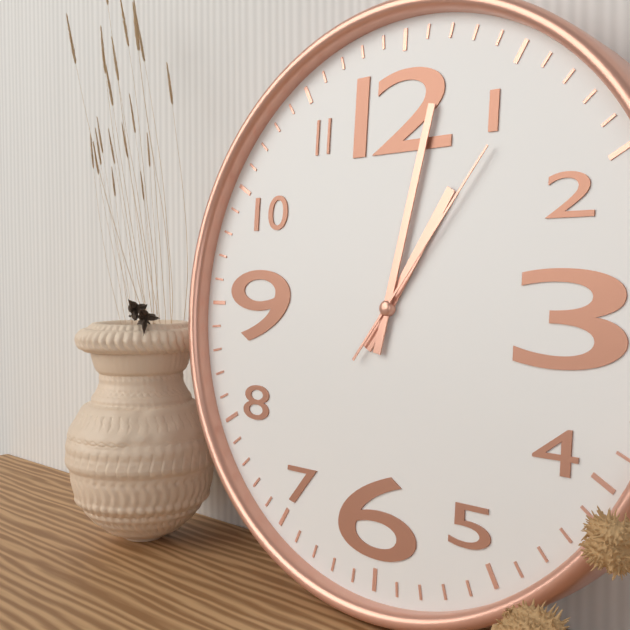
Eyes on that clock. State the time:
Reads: 1:02:06
